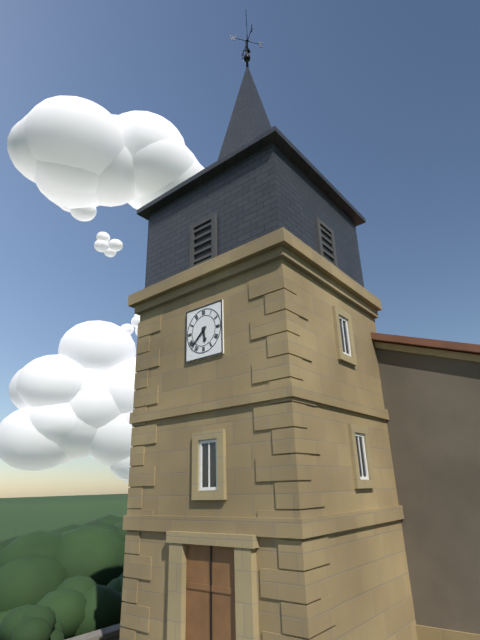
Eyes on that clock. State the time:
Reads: 5:38
